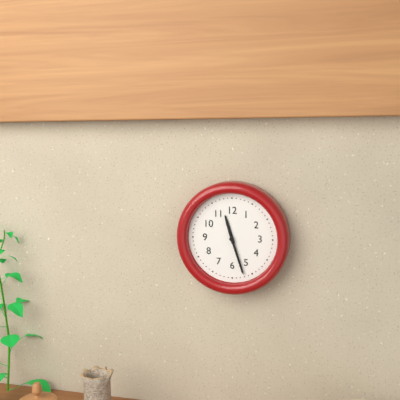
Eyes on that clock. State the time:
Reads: 11:27
